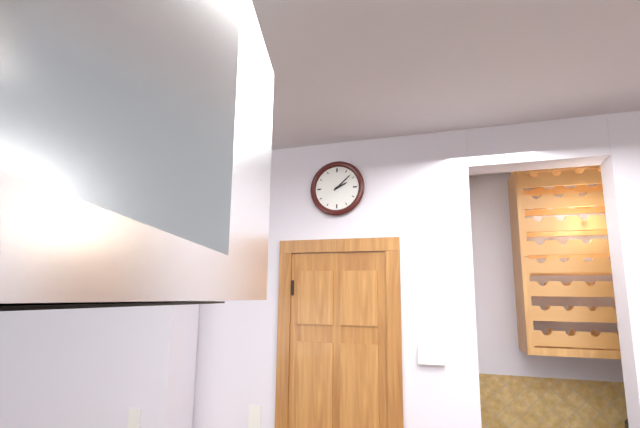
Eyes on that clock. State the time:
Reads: 2:08
